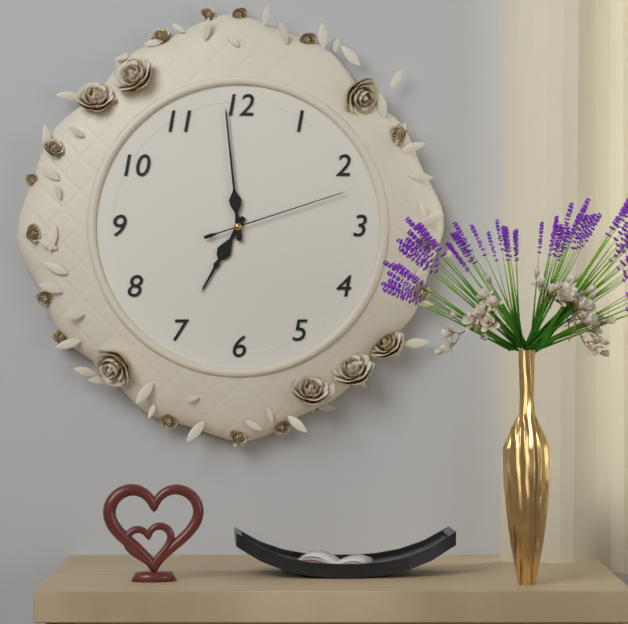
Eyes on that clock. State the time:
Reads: 6:59:12
